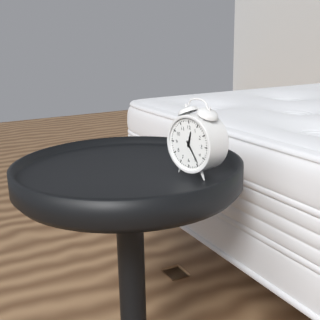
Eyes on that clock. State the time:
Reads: 12:24
